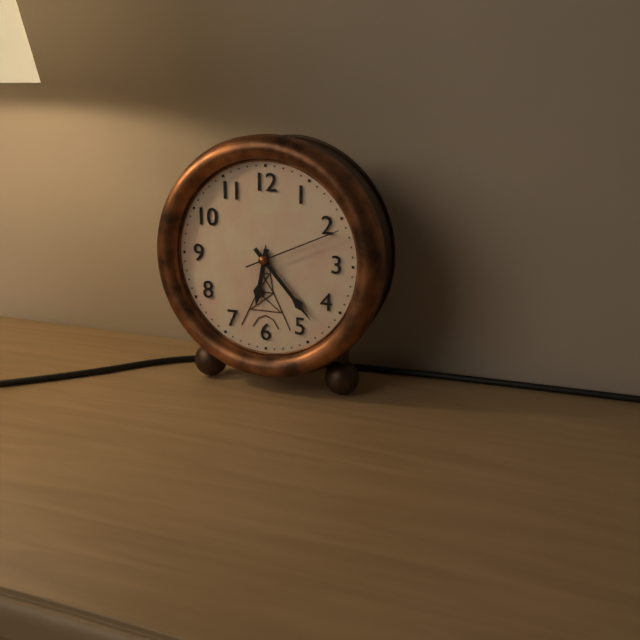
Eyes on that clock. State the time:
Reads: 6:23:11
